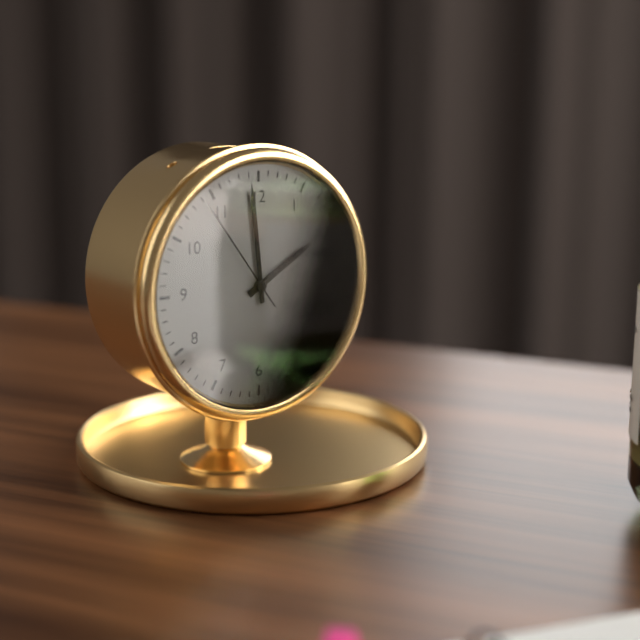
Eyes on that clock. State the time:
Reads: 1:59:54
